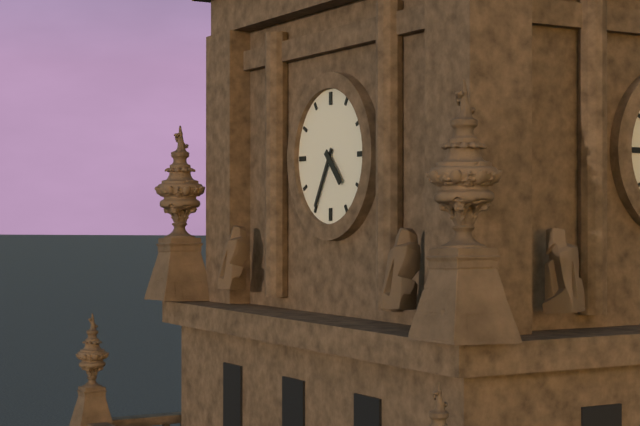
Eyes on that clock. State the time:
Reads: 4:35
